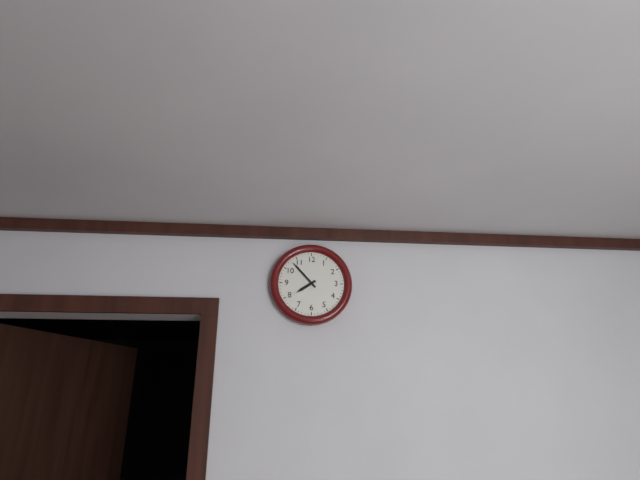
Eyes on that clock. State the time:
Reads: 7:53
